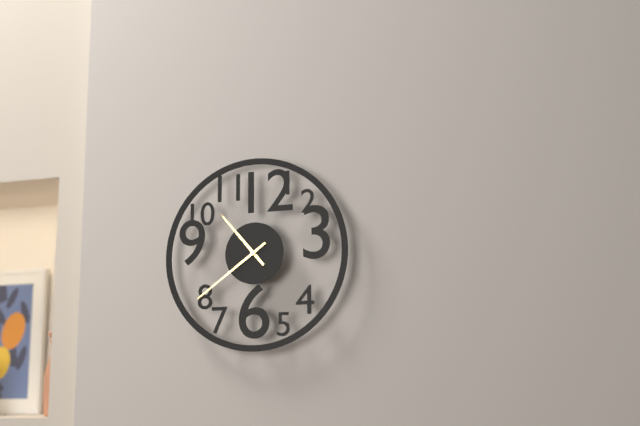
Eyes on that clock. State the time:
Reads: 10:39
